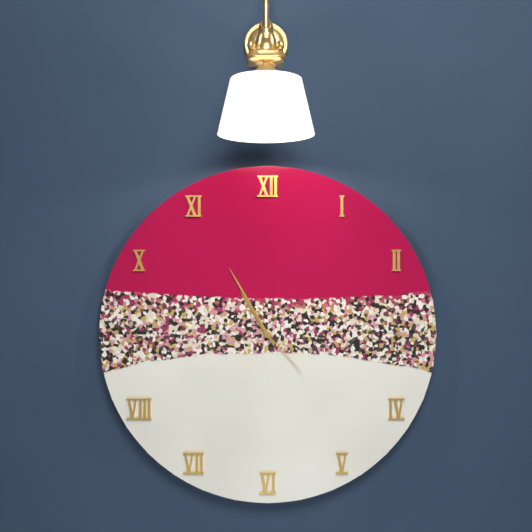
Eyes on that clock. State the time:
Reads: 10:55:23
